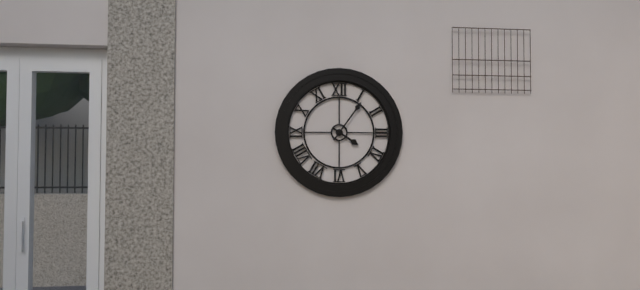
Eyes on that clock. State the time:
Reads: 4:06
